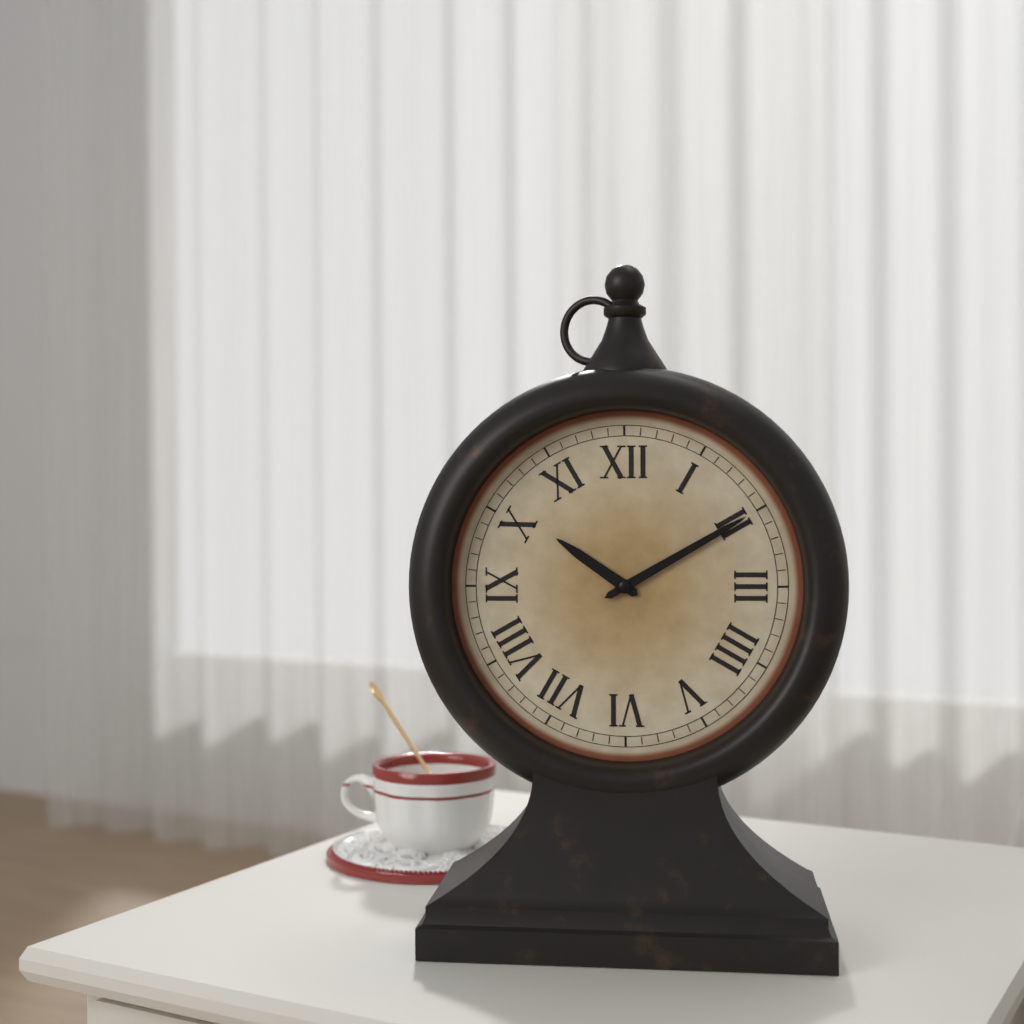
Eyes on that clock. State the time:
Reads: 10:10
